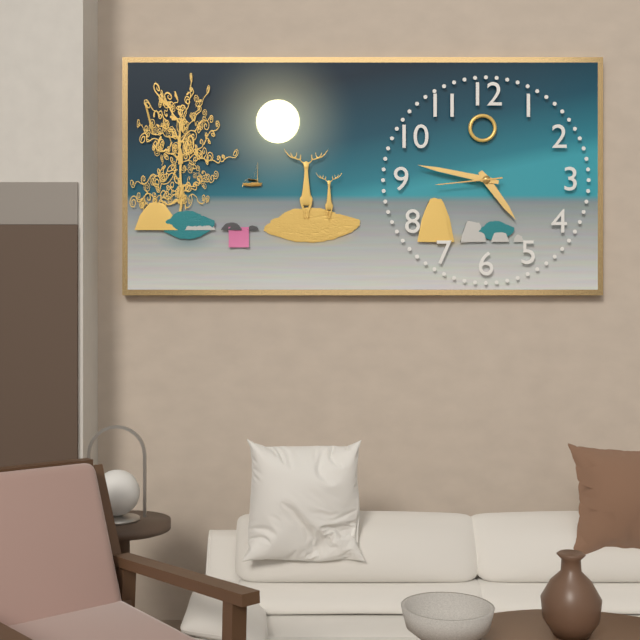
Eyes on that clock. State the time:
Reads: 4:47:44
